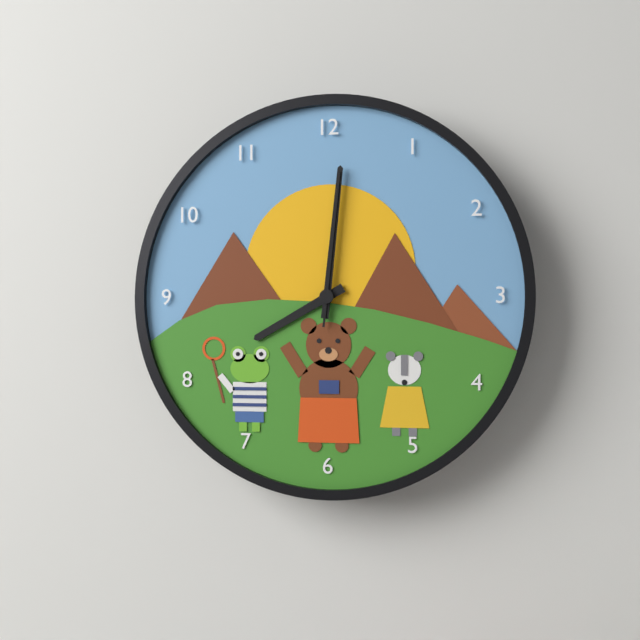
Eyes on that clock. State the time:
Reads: 8:01:01
